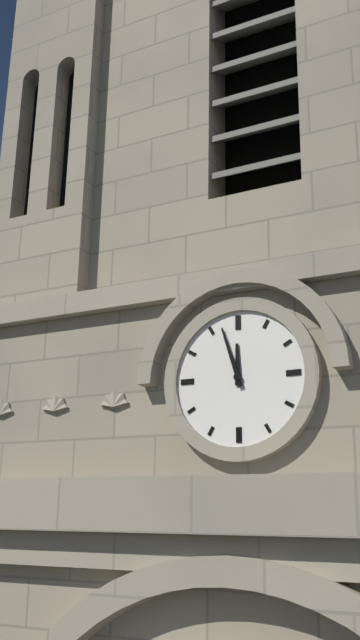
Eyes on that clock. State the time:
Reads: 11:57
